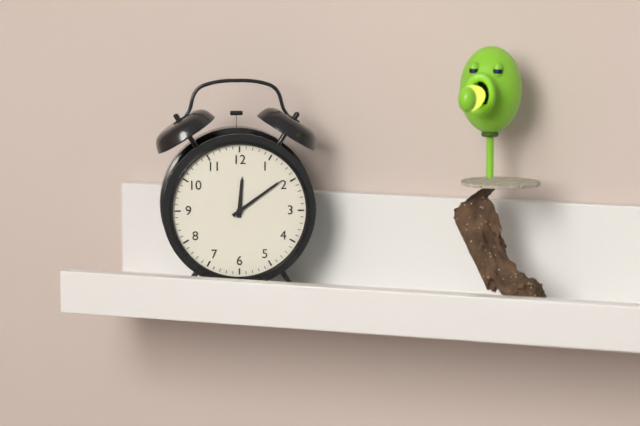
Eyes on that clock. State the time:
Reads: 12:09
